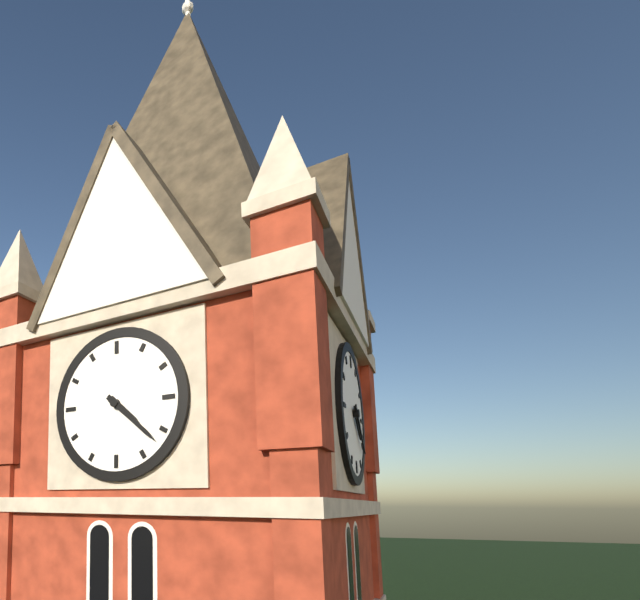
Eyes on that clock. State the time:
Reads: 4:22
